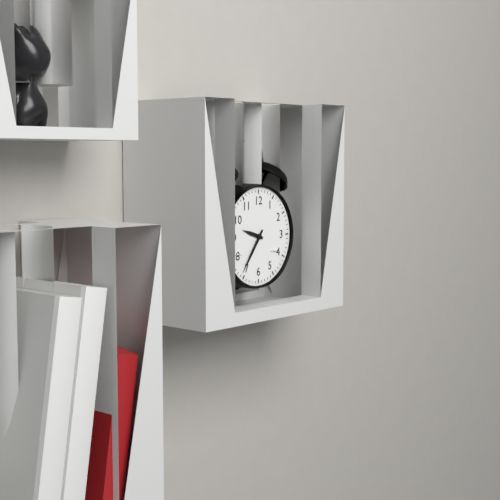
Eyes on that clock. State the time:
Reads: 9:36
